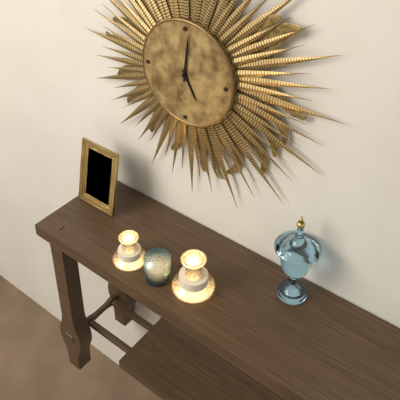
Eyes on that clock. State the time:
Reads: 5:01
